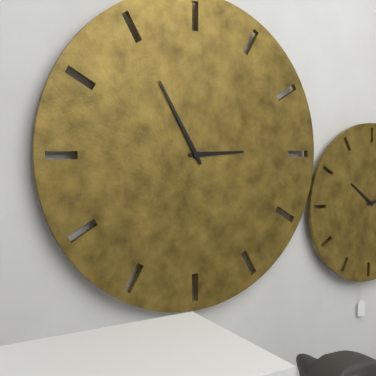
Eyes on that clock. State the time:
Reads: 2:55
